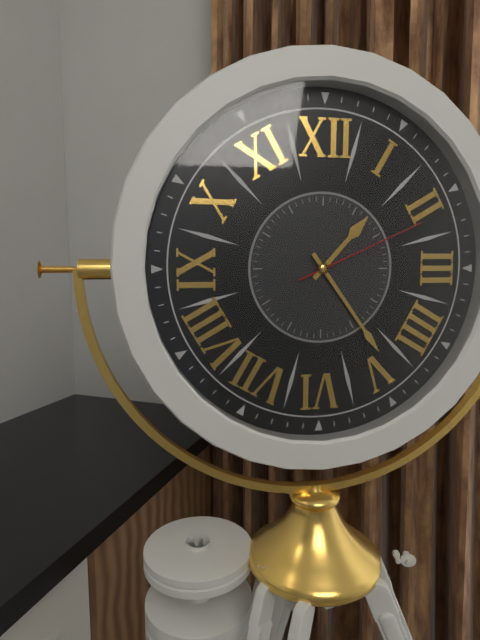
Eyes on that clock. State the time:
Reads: 1:24:11
